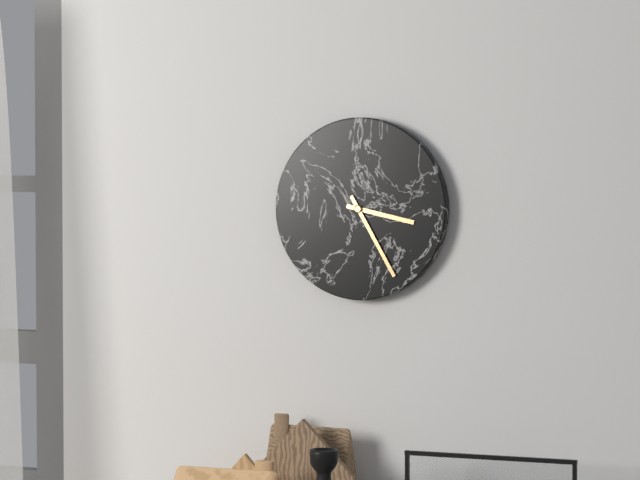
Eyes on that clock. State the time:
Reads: 3:25
